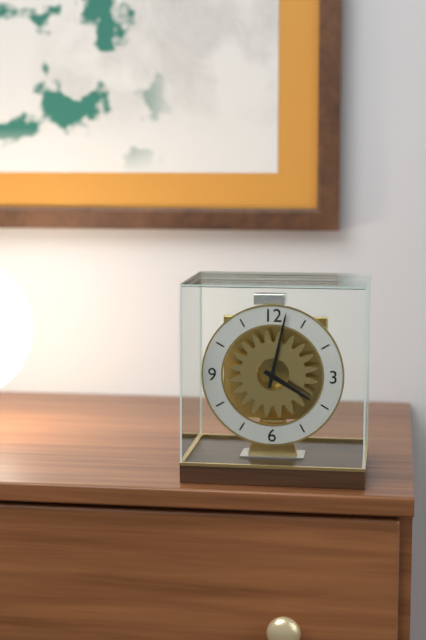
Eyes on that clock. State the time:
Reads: 4:02
